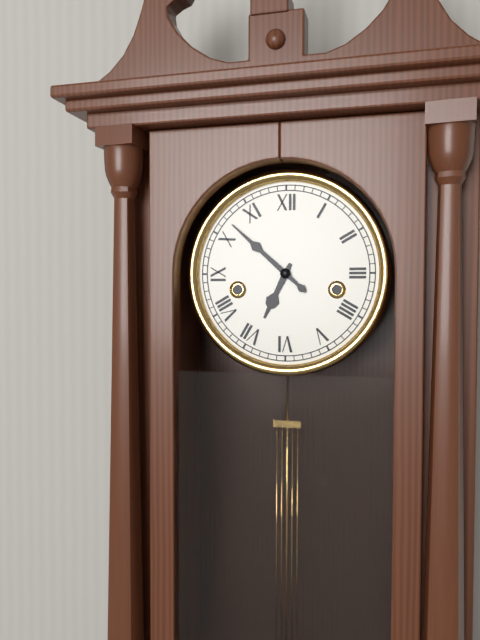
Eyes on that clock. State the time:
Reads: 6:52
